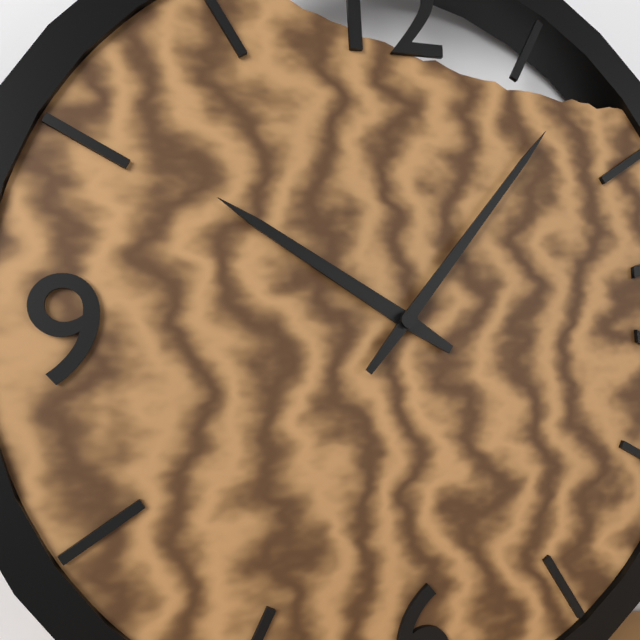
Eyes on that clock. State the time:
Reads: 10:07
